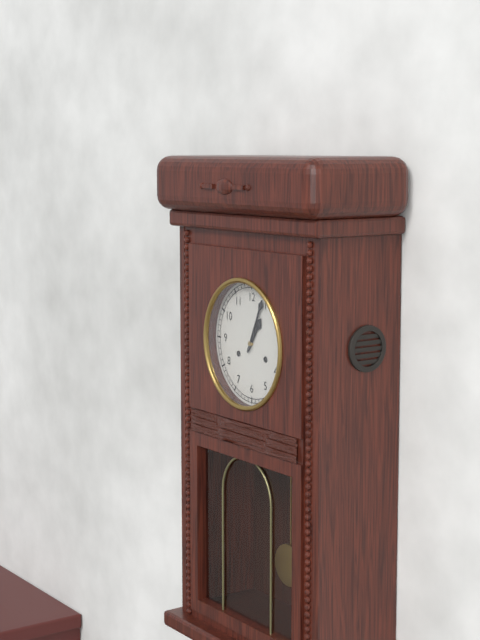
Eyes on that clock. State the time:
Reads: 1:04
